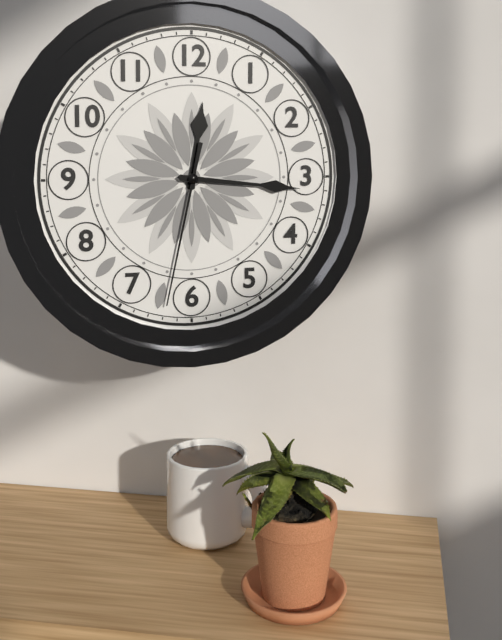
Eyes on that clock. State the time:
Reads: 12:16:32
